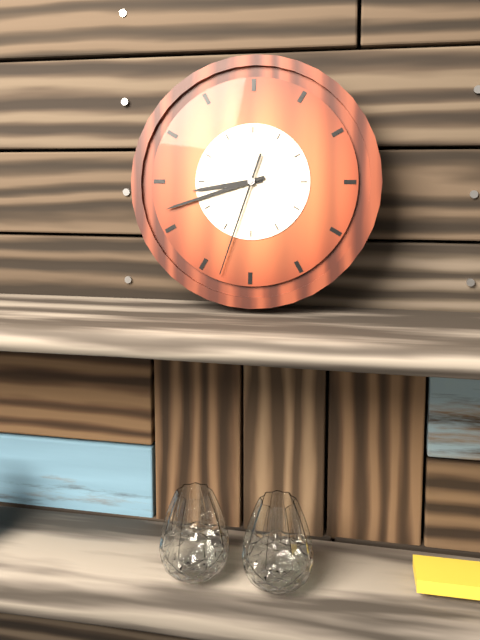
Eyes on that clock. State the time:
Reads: 8:42:33
